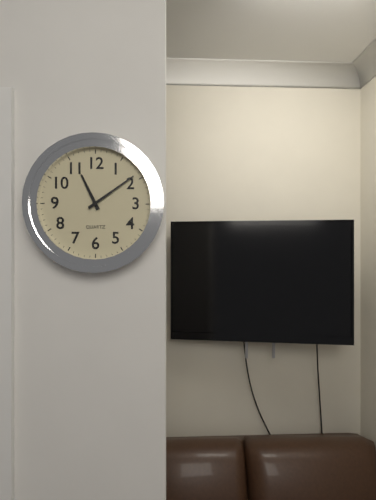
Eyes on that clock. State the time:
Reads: 11:09
